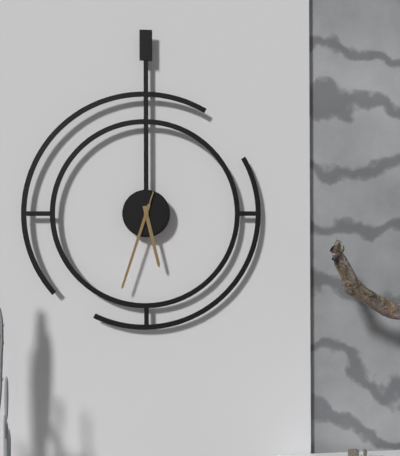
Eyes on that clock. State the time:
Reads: 5:33:33
